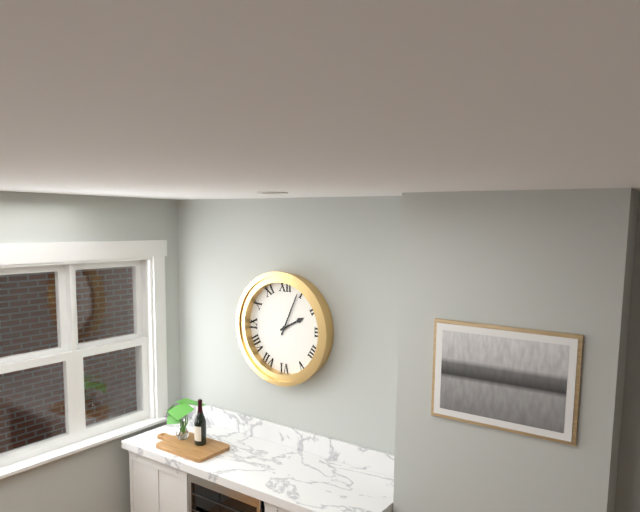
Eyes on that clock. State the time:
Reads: 2:04
